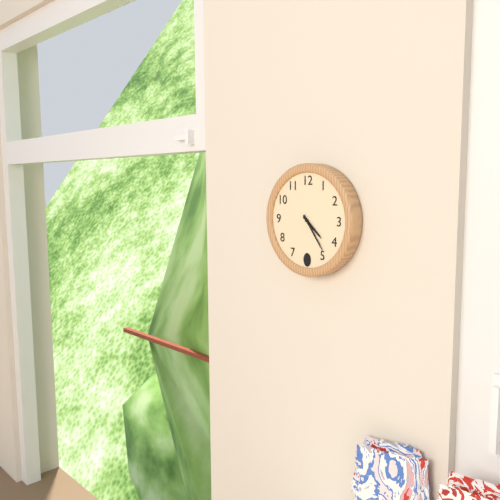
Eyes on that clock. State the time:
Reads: 4:24
